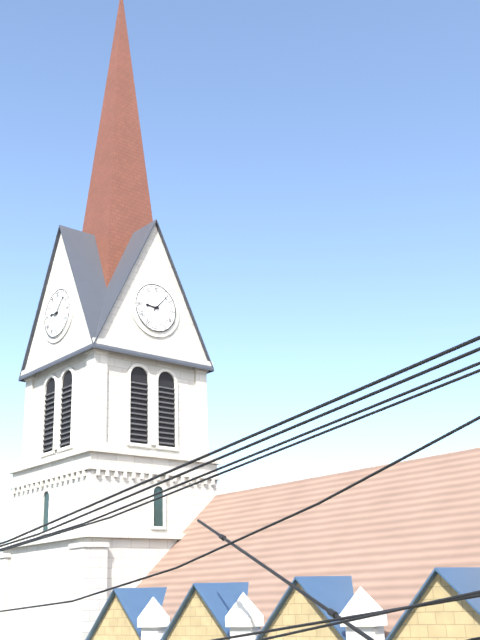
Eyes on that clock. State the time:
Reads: 9:07
